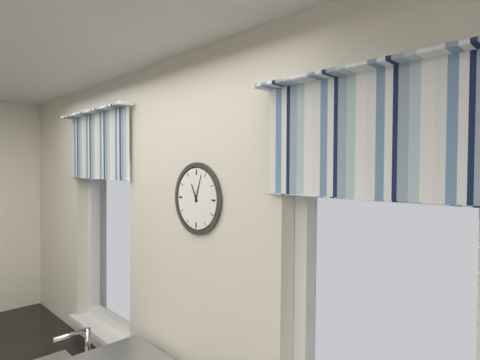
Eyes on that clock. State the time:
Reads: 11:03
